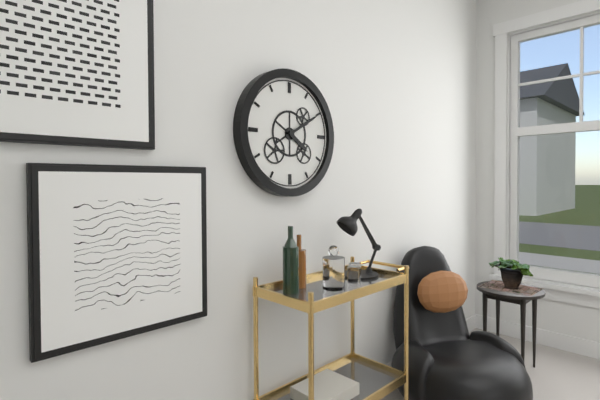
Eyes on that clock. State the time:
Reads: 4:10
